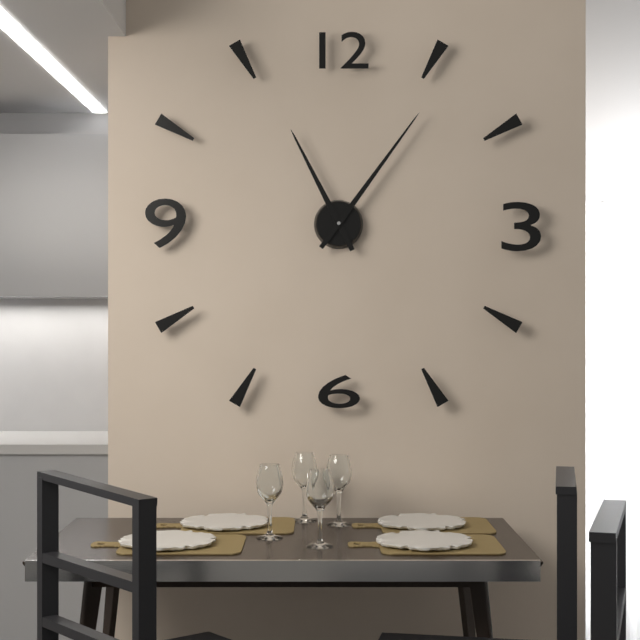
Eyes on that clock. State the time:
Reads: 11:06
